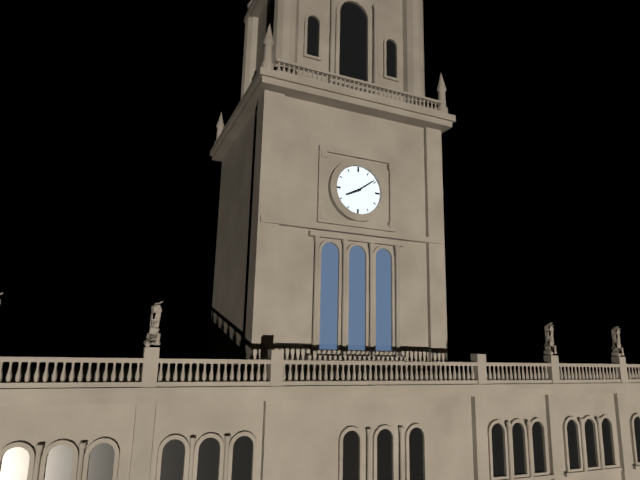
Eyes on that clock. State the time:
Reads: 8:09
